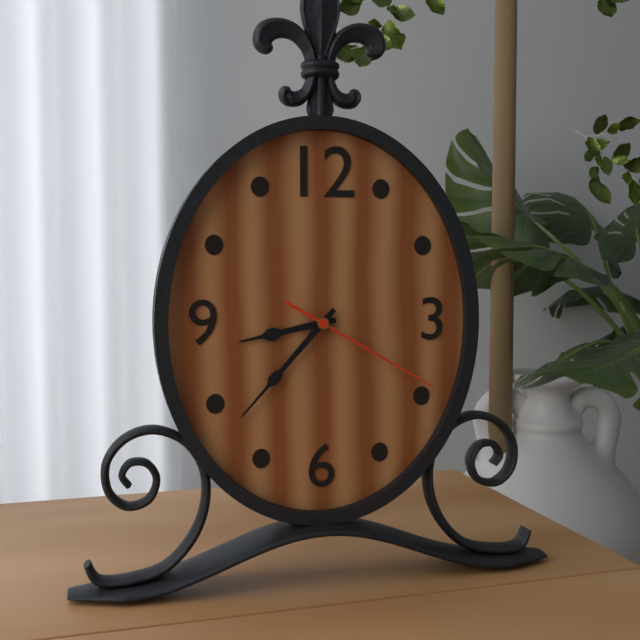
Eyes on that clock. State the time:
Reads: 8:37:20
